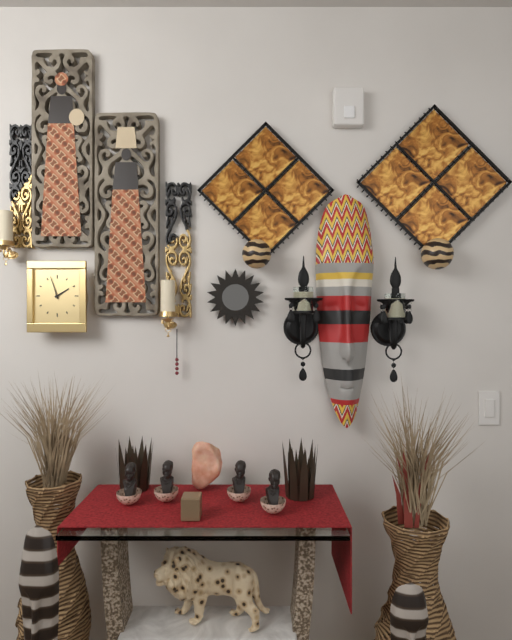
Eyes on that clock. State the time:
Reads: 1:57
